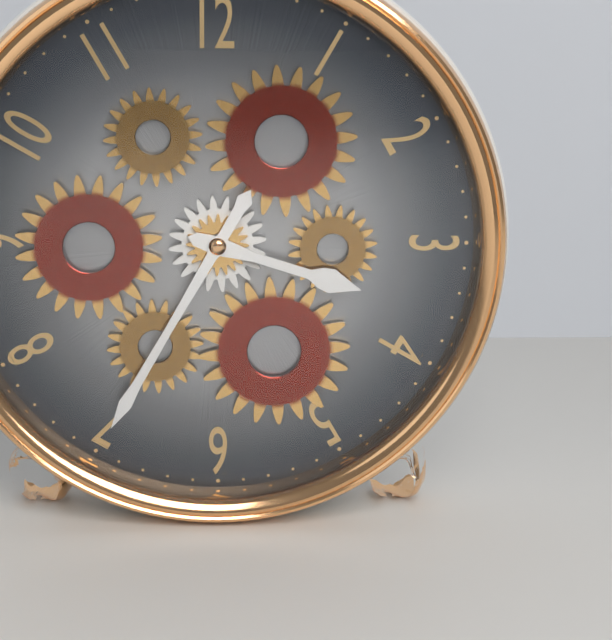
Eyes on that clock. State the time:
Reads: 3:35
